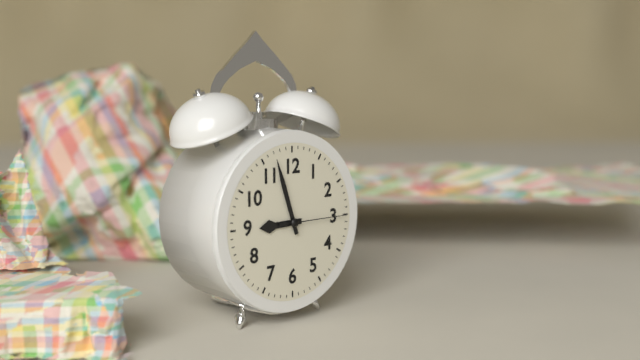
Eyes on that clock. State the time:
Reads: 8:57:15
